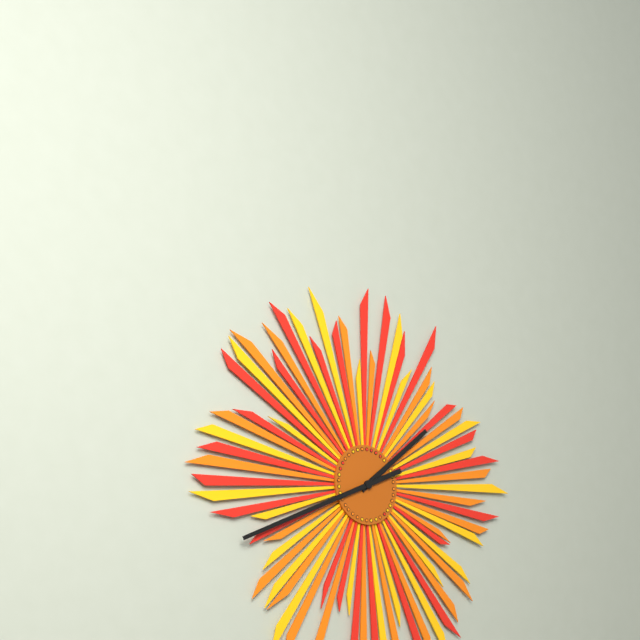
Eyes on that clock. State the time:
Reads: 1:41
